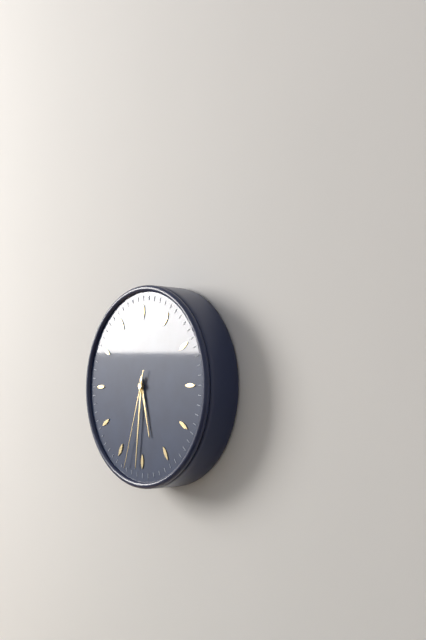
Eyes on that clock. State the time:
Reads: 5:31:33
